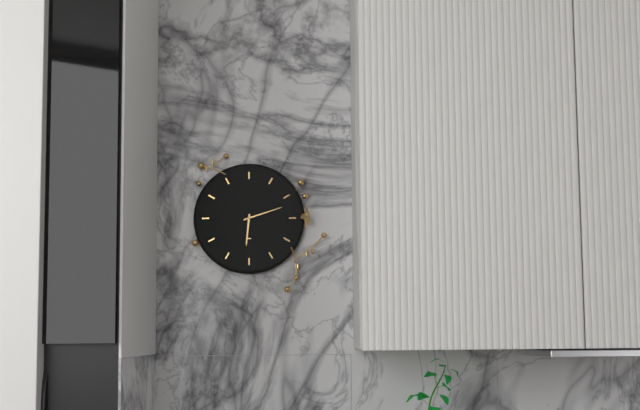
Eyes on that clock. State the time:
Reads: 6:12
